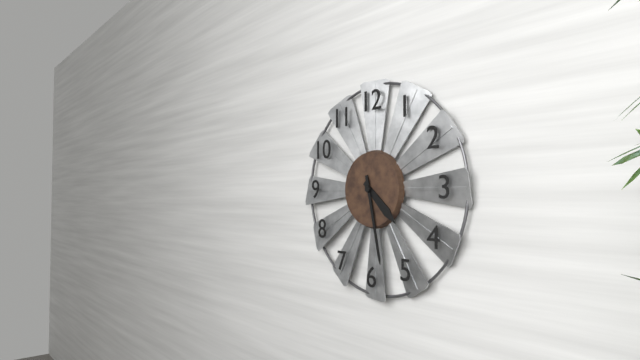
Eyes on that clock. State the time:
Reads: 4:28
